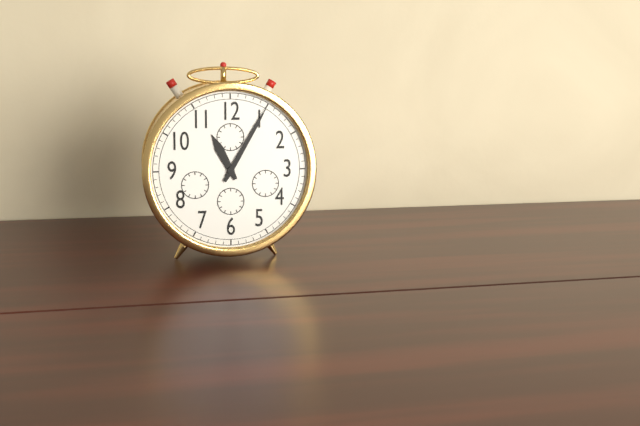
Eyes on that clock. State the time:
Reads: 11:05
